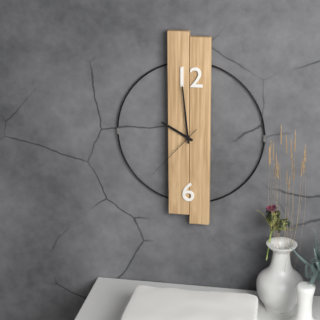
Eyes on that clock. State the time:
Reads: 9:59:37
